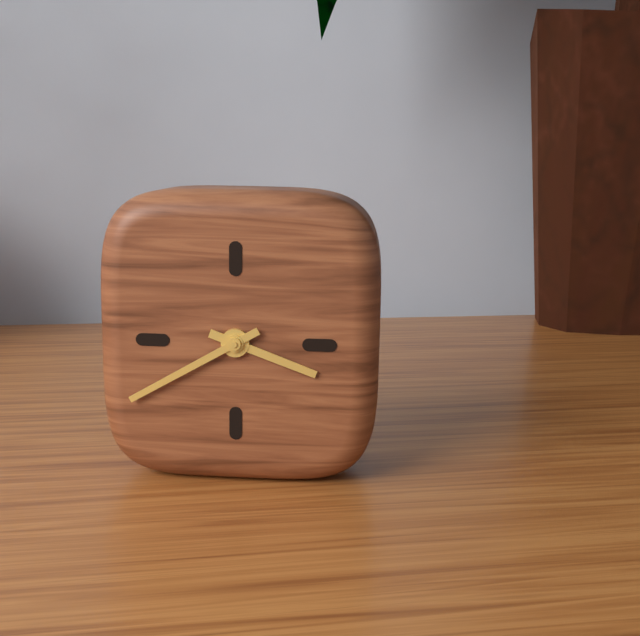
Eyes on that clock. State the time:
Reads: 3:40
